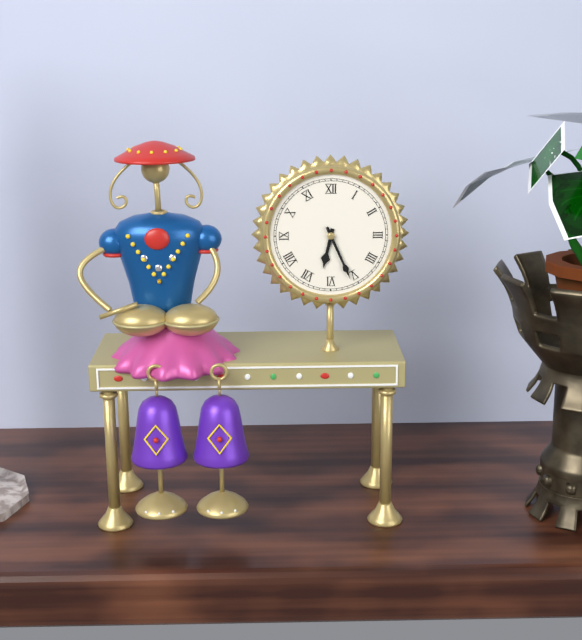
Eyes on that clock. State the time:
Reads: 6:26
